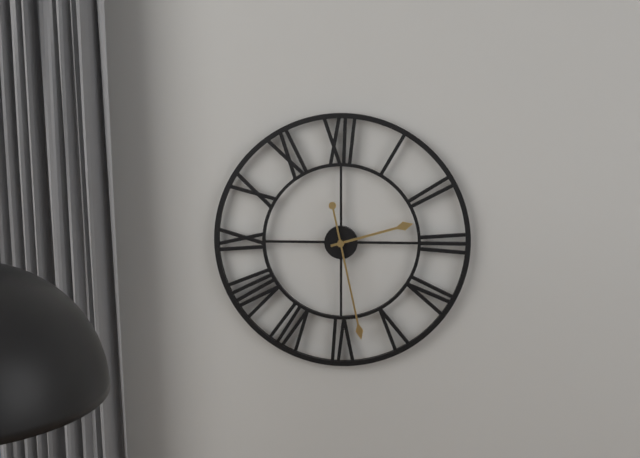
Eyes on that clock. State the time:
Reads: 2:28
